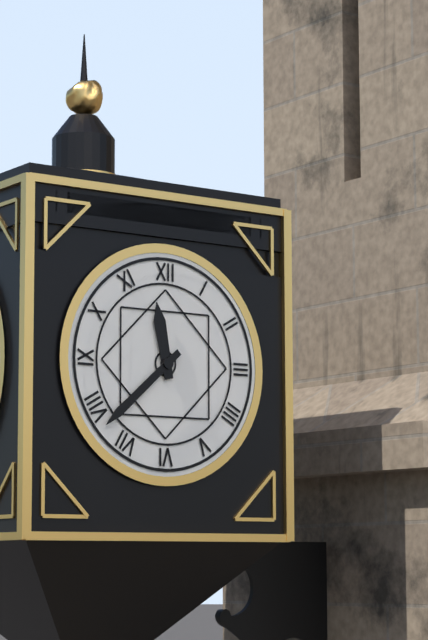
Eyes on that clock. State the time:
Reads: 11:38
